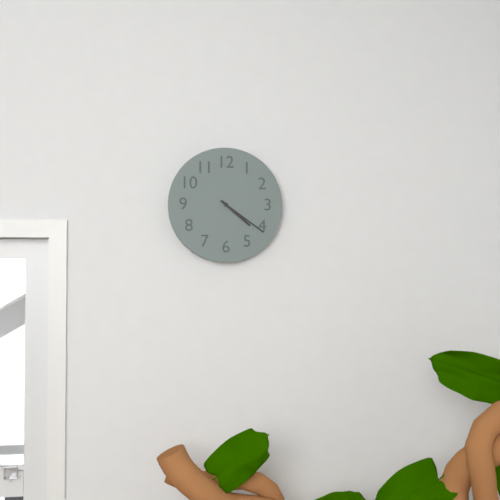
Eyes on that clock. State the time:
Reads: 4:21
